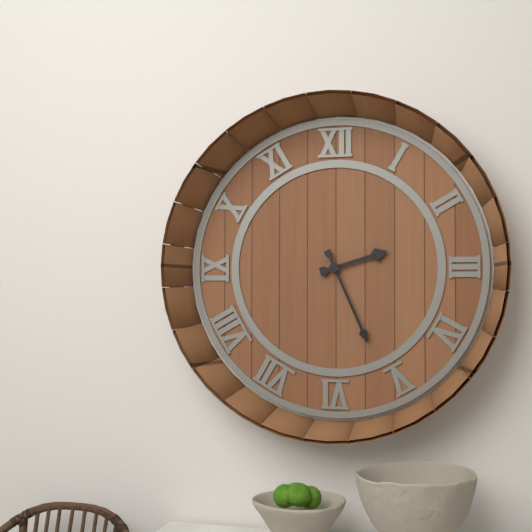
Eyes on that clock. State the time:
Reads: 2:26
